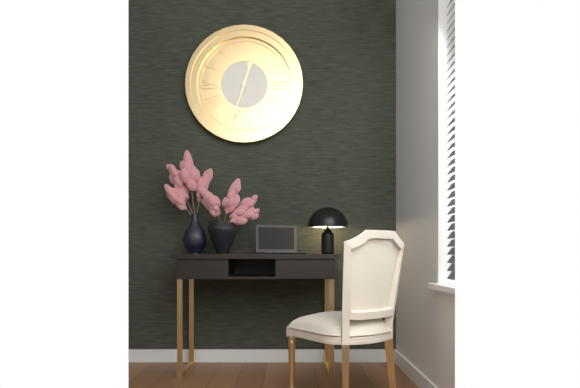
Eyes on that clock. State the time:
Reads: 12:33
